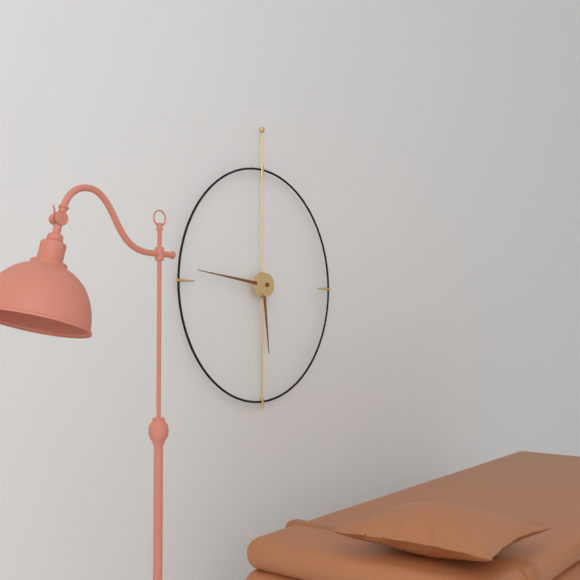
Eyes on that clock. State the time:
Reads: 5:46
